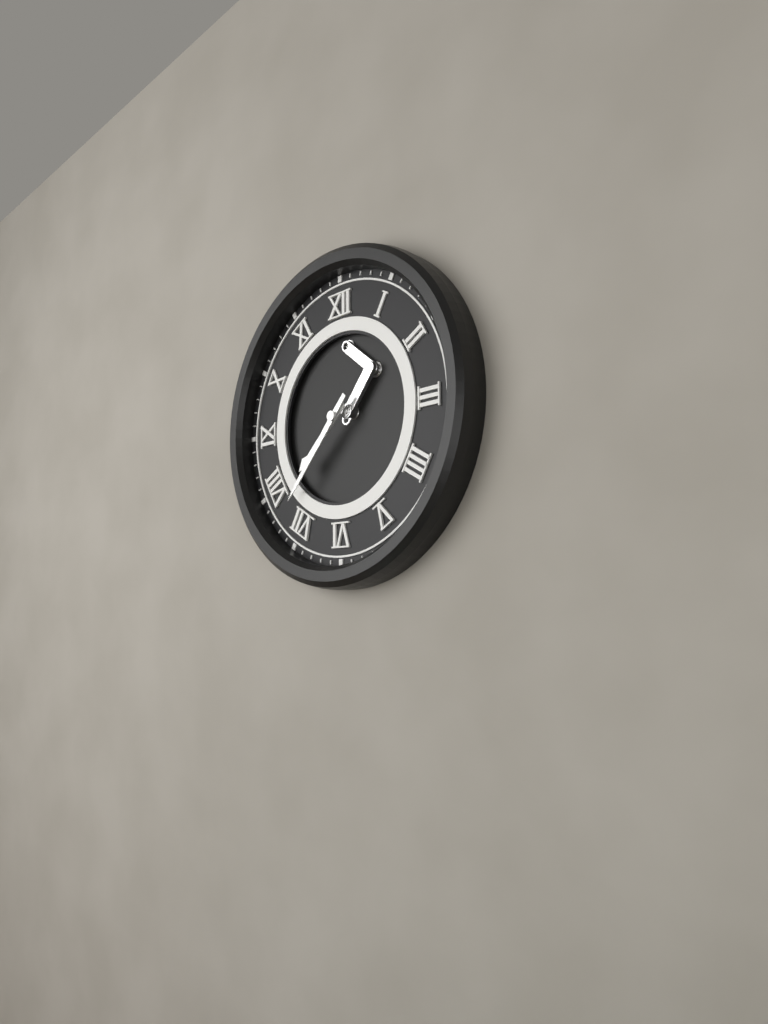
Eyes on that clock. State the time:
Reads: 7:37
